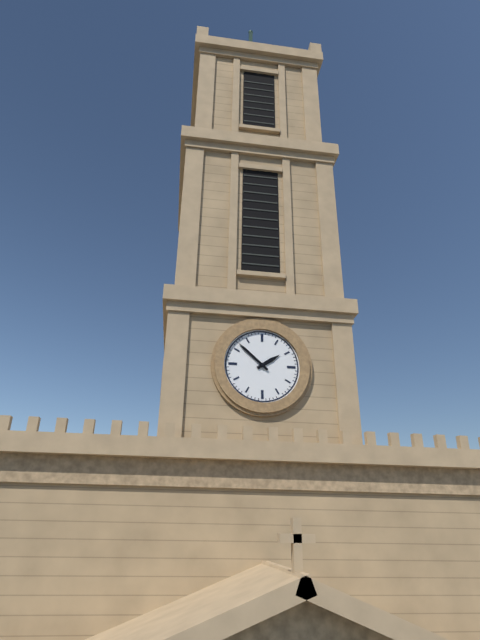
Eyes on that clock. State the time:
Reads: 1:52
